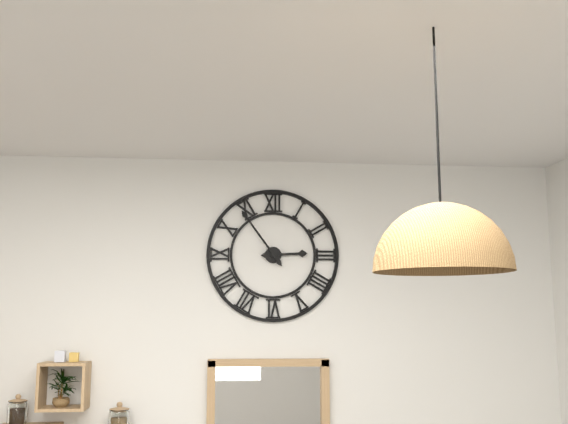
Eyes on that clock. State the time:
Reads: 2:54
